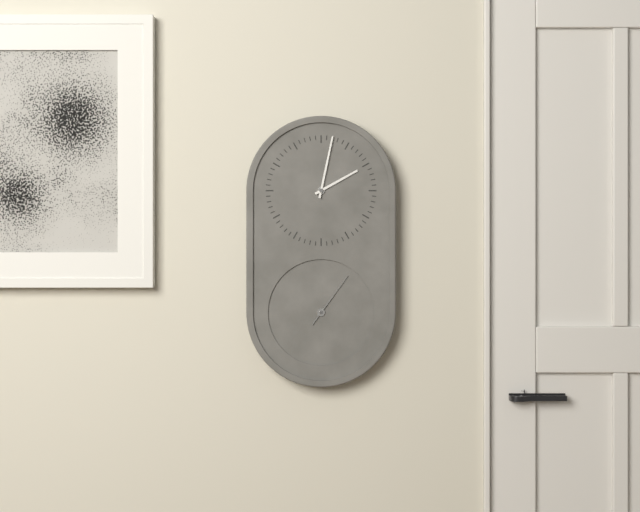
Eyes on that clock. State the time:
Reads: 2:02:06
